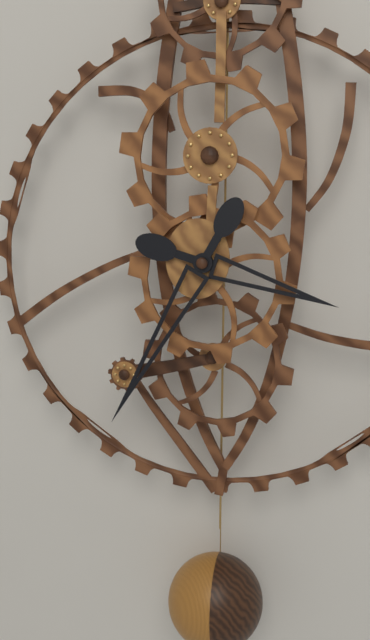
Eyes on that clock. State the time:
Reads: 3:35
